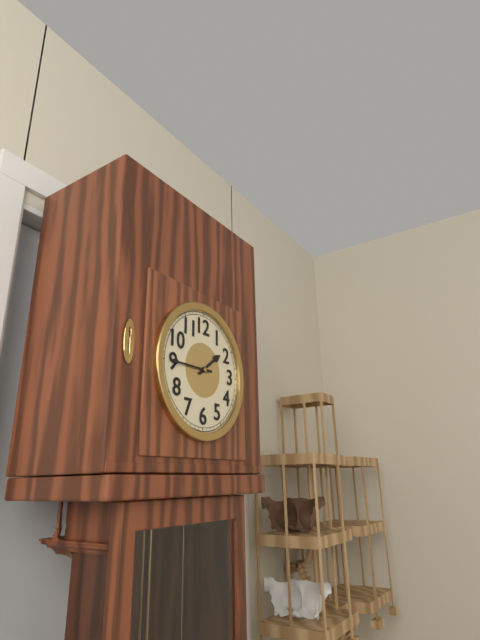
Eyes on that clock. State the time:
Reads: 1:45
